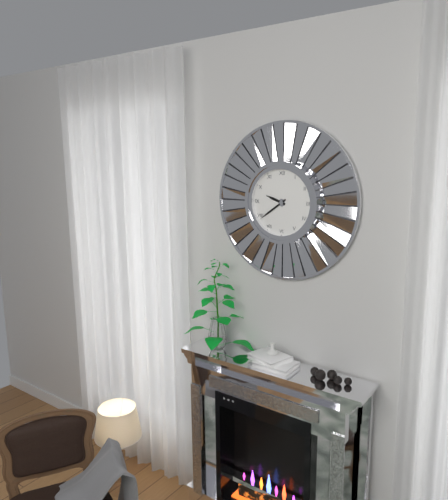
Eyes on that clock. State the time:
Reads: 9:39
